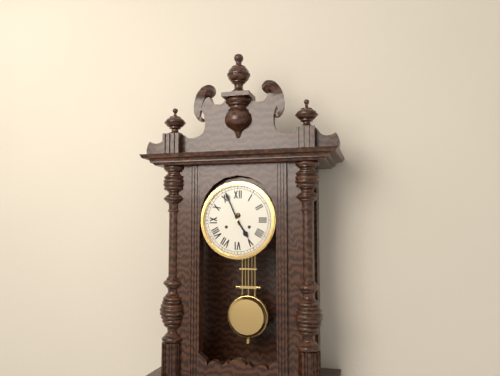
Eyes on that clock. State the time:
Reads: 4:56
